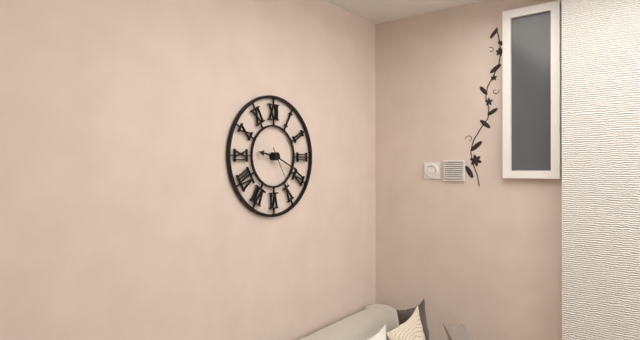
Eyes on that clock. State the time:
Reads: 9:19
